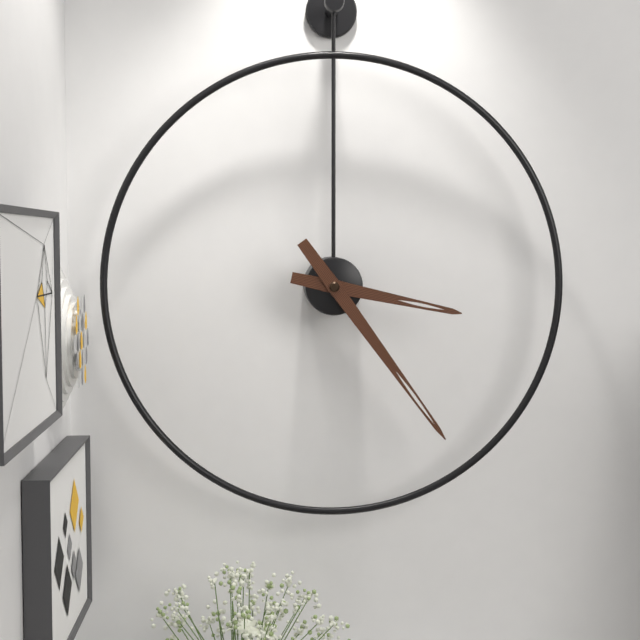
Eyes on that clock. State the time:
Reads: 3:24
